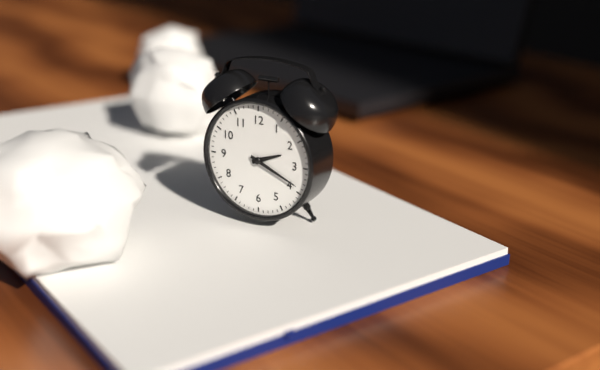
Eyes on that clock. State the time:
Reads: 2:19
